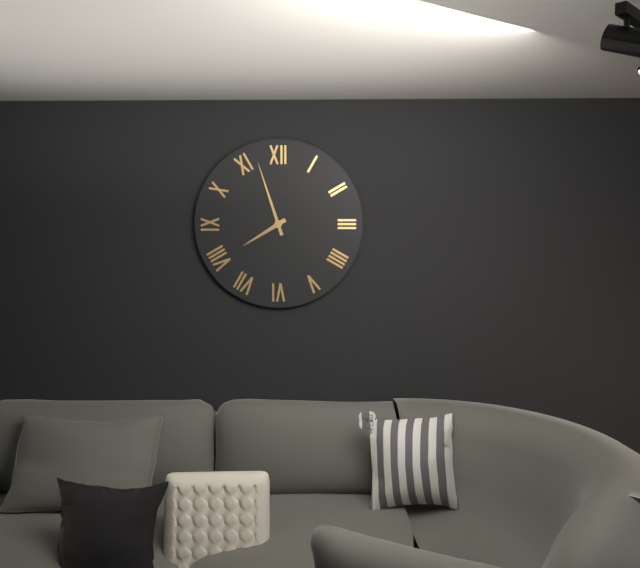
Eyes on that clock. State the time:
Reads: 7:57
